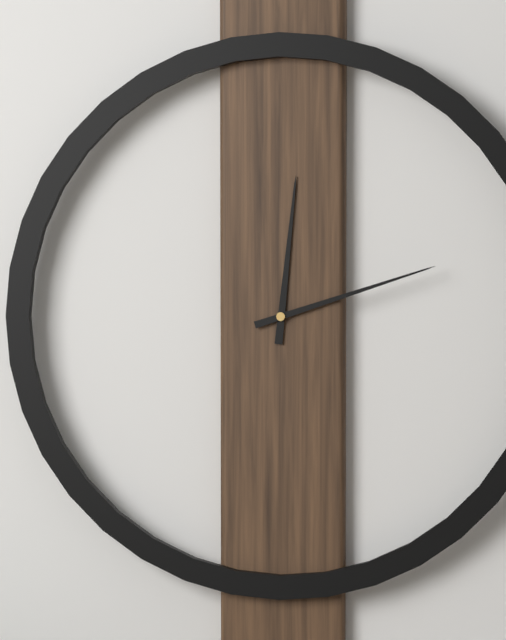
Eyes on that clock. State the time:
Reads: 12:12
